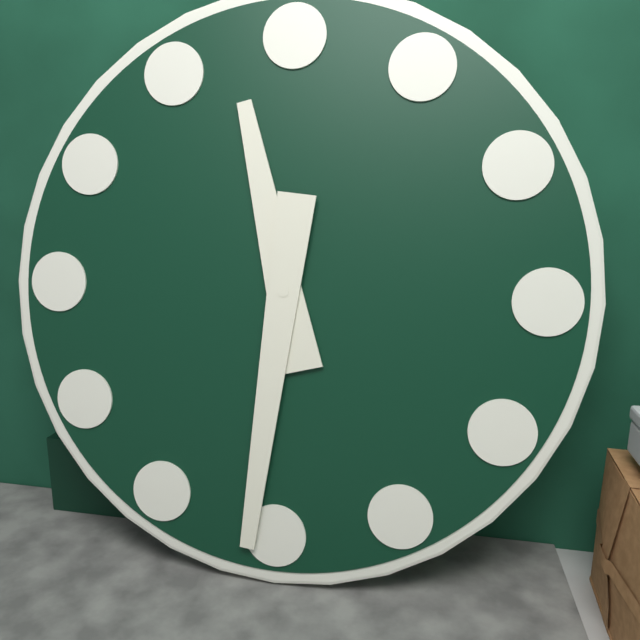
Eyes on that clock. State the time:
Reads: 11:31
